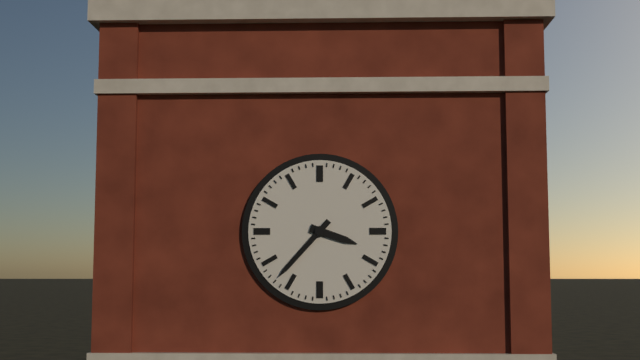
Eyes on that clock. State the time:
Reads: 3:37
